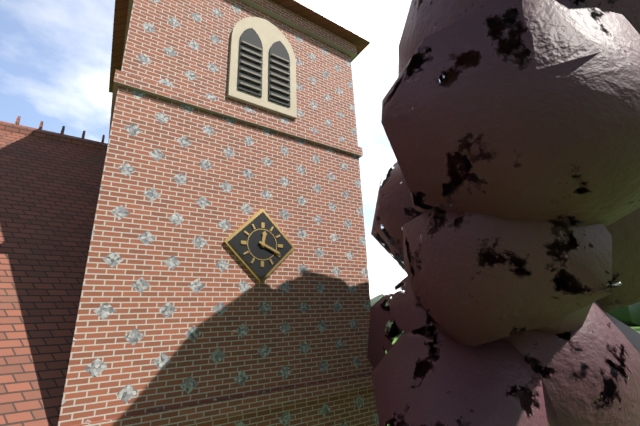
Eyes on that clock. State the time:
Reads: 12:19
